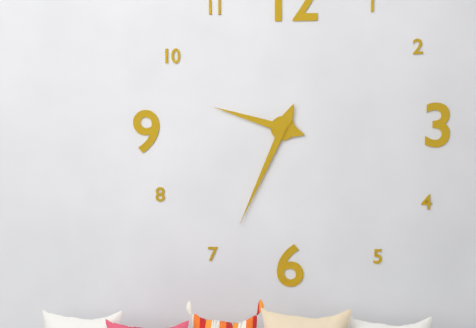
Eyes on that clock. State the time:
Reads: 9:34
